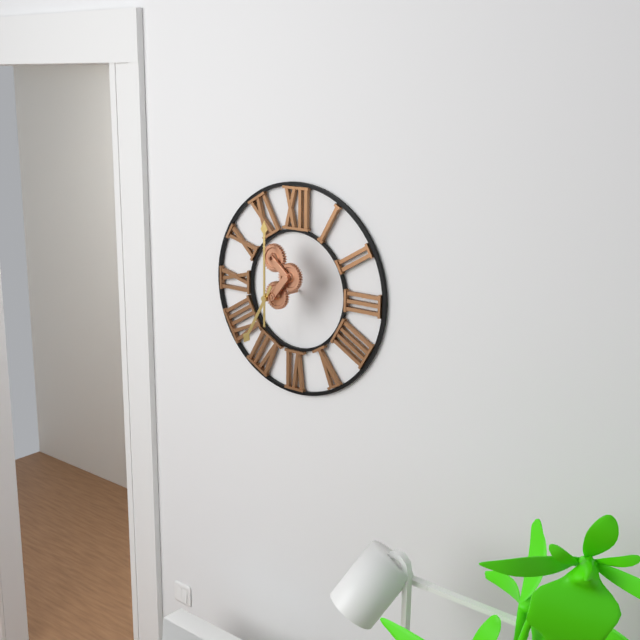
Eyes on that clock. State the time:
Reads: 7:00
